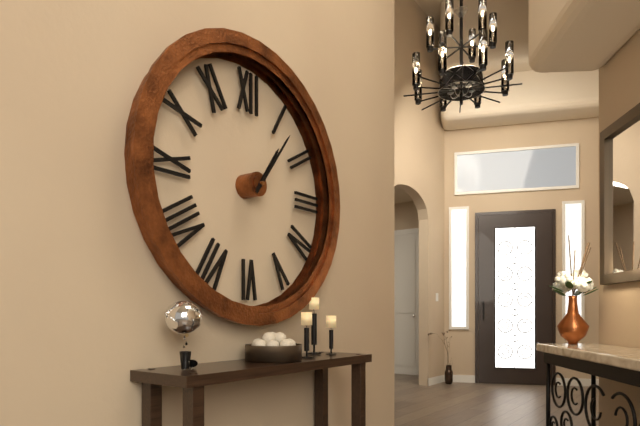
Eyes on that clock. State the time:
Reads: 1:06
